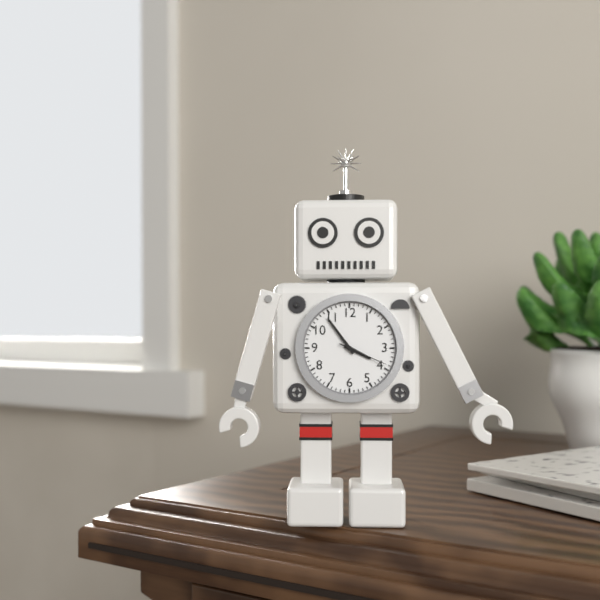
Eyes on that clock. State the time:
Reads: 3:54:19
